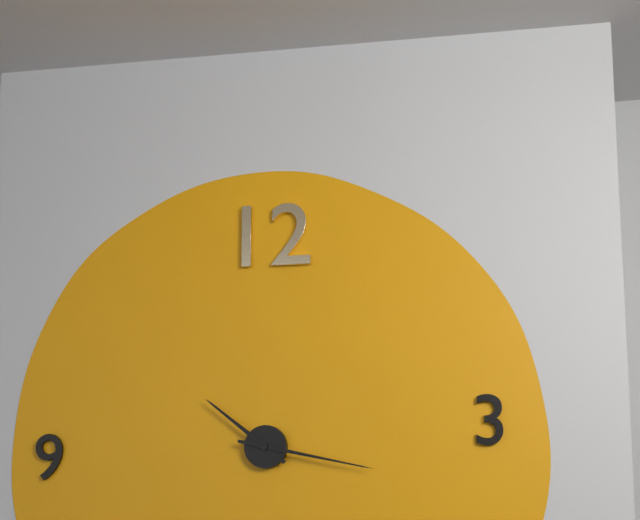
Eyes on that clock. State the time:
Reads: 10:17
